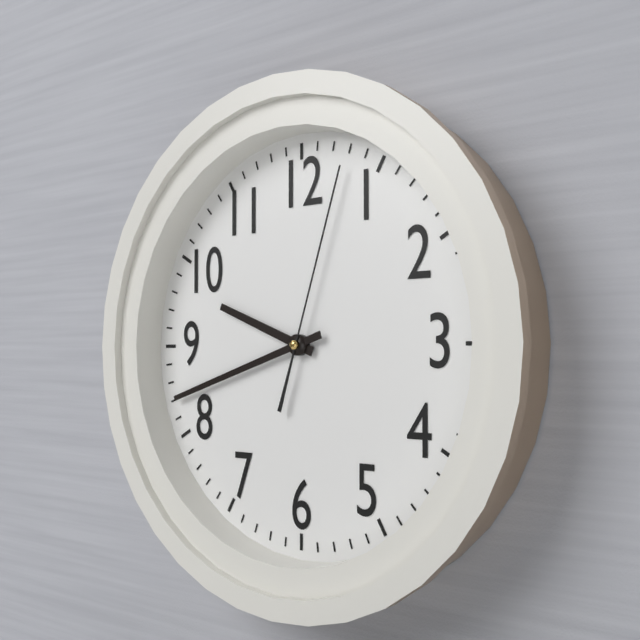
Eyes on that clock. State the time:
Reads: 9:42:03
